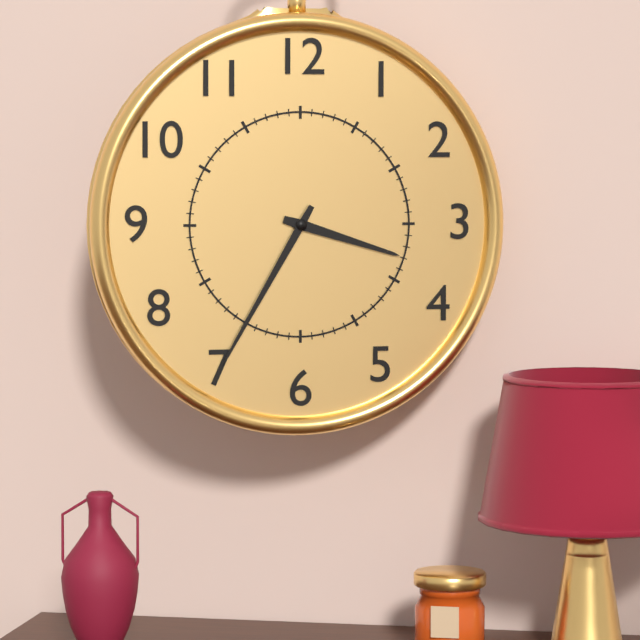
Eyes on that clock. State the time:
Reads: 3:35
